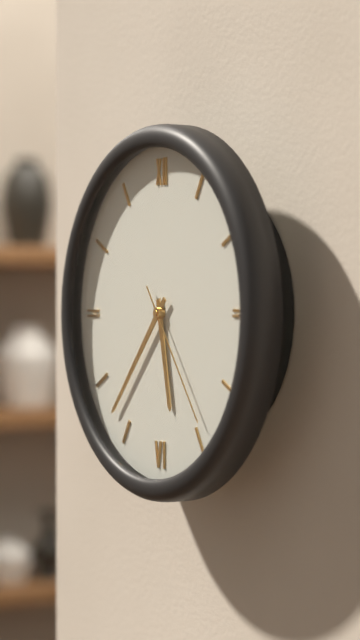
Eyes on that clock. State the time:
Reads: 5:37:24
